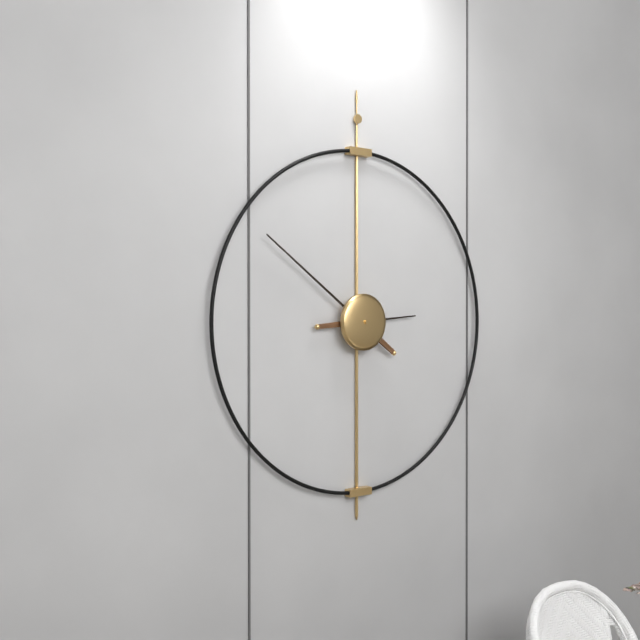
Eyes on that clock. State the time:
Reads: 2:51
